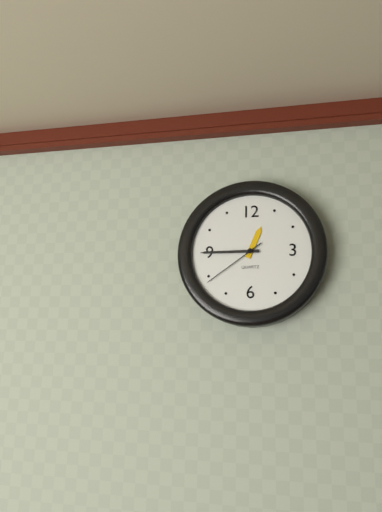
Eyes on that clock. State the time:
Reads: 12:45:39
